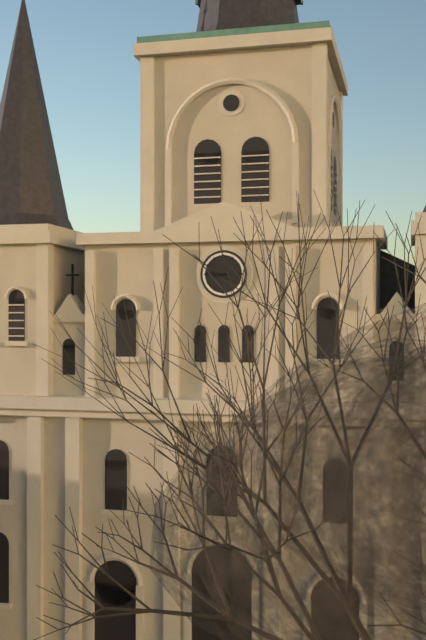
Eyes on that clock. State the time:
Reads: 8:46
